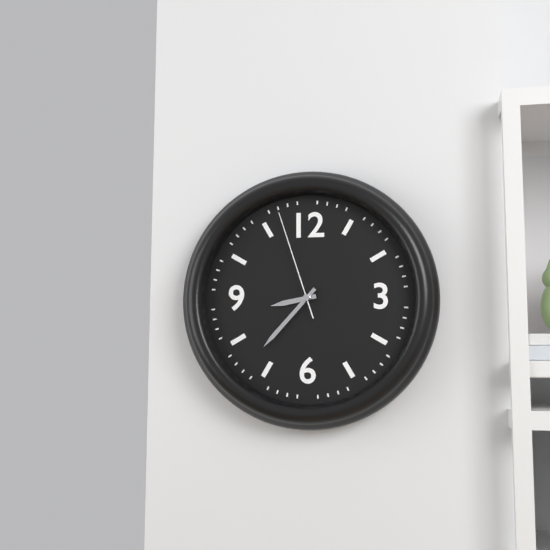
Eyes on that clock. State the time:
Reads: 8:37:57
